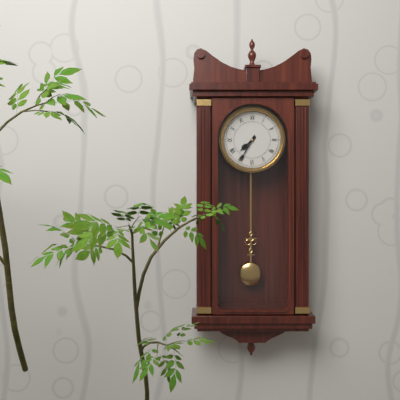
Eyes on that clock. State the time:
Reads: 7:35
